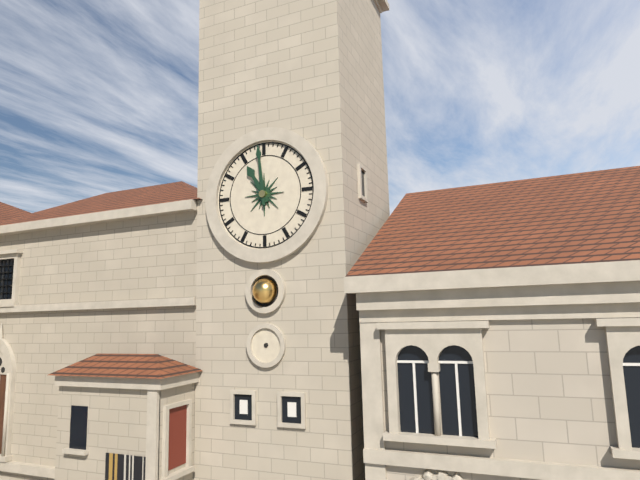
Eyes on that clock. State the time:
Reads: 10:59
